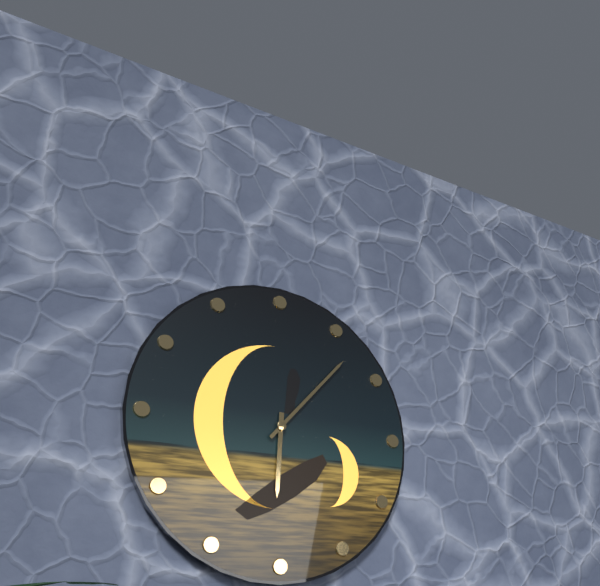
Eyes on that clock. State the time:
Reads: 6:07
